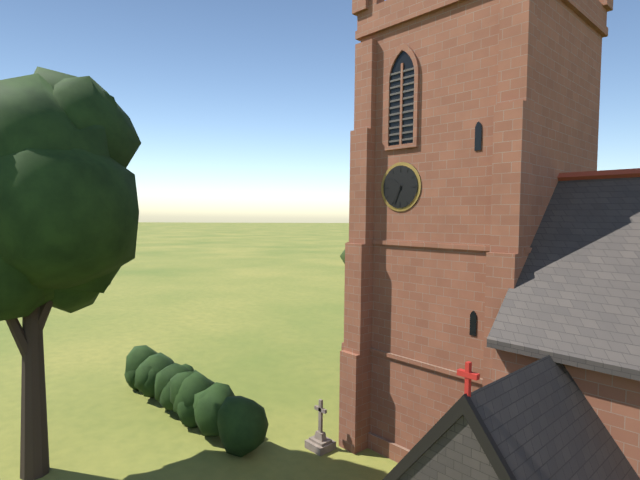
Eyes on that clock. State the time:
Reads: 10:34
